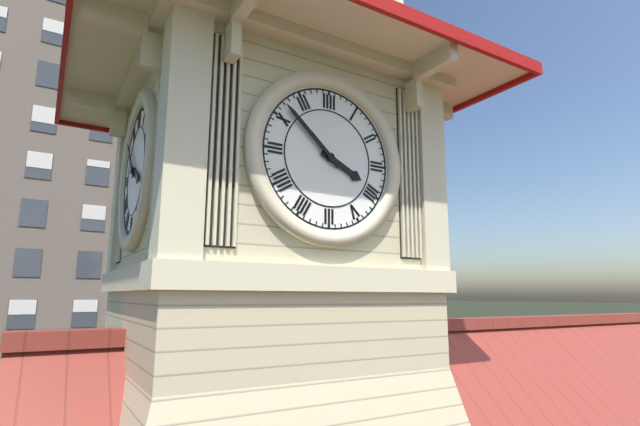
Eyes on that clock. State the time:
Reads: 3:52
